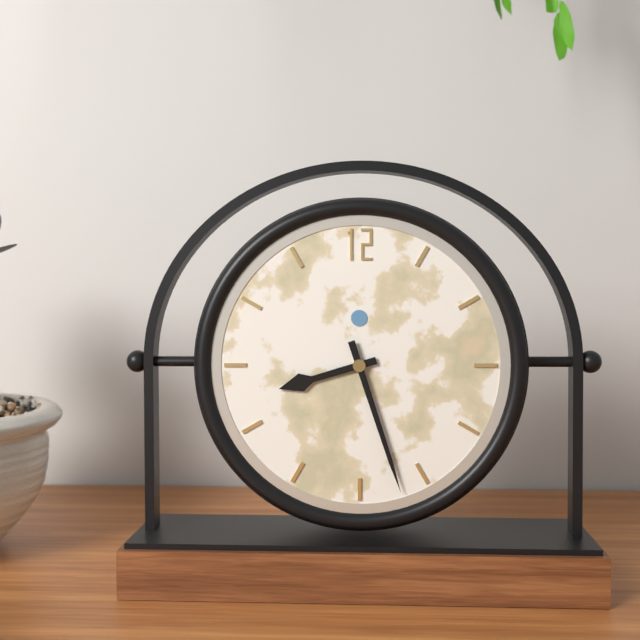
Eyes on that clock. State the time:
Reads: 8:27
